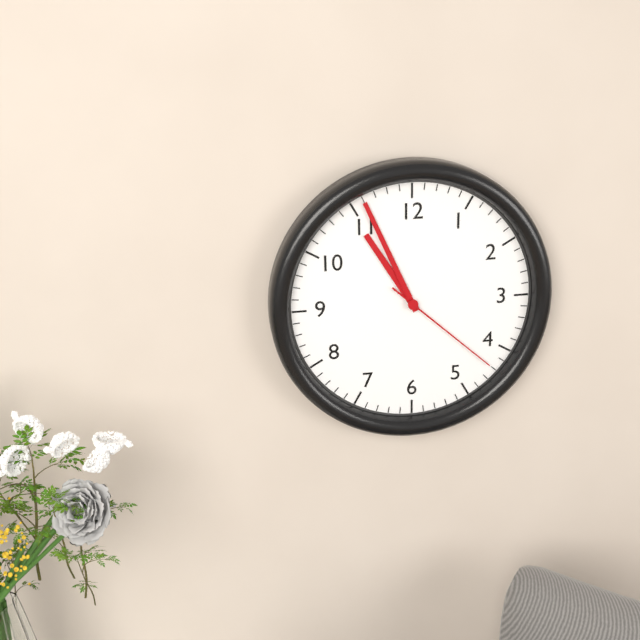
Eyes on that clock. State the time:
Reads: 10:56:22
